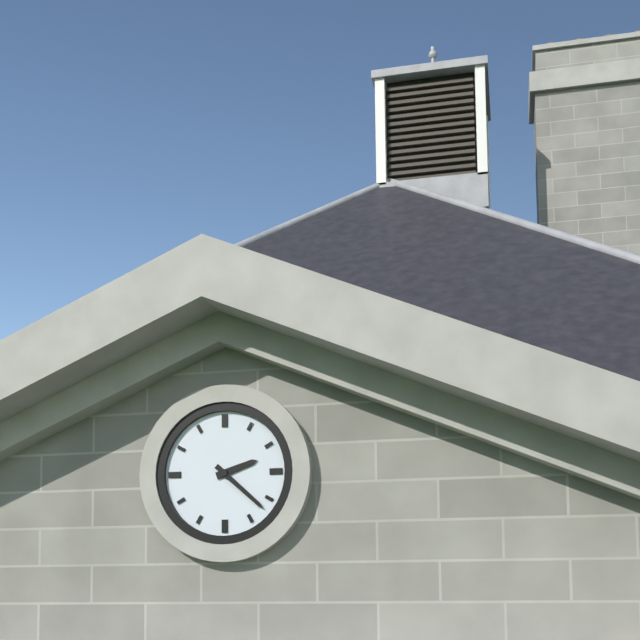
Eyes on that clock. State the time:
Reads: 2:22
